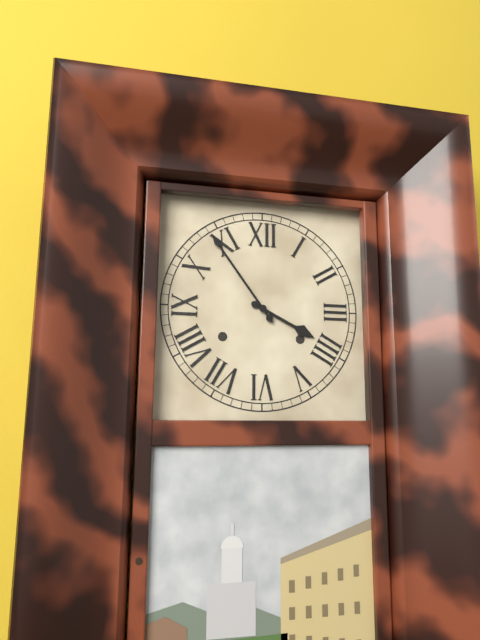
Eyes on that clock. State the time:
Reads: 3:54
